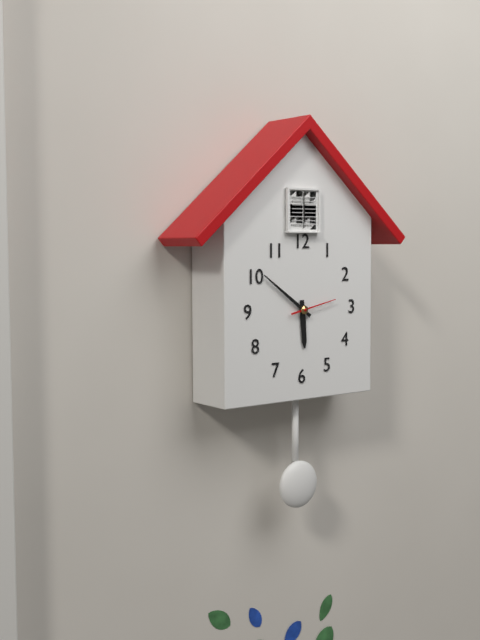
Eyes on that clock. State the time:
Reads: 5:51
